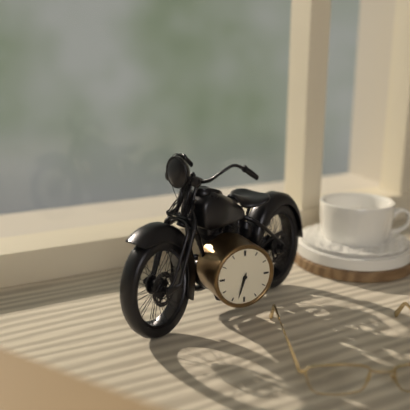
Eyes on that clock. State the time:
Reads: 6:33
